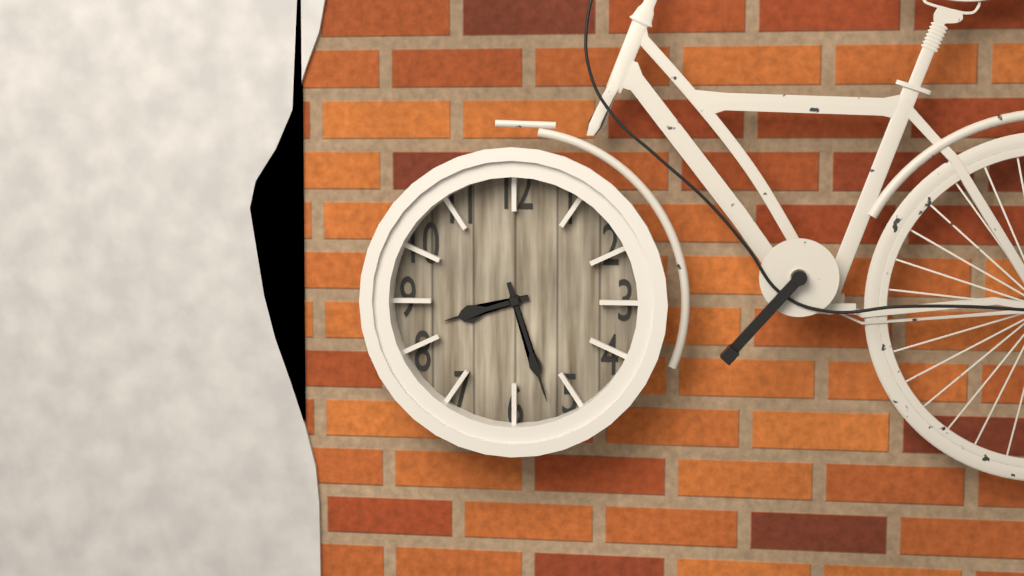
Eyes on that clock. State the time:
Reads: 8:27
